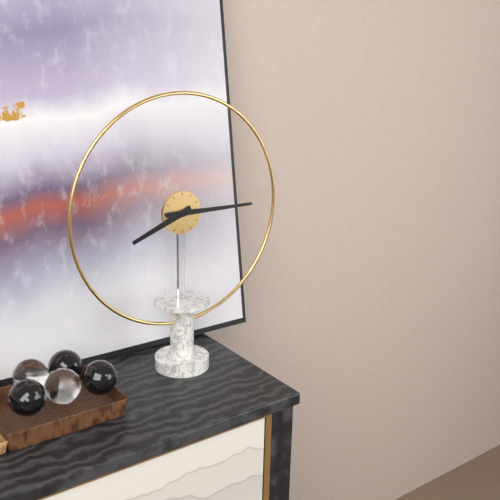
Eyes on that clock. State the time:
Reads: 8:15
